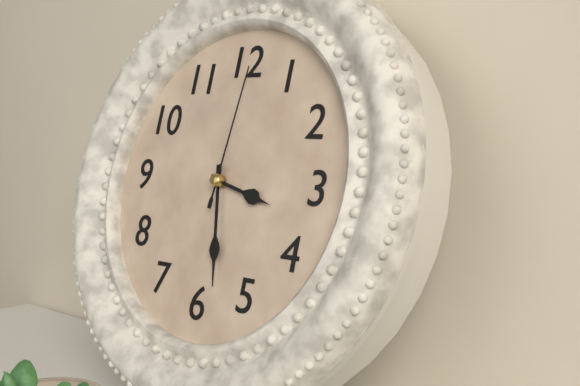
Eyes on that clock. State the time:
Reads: 3:28:01
